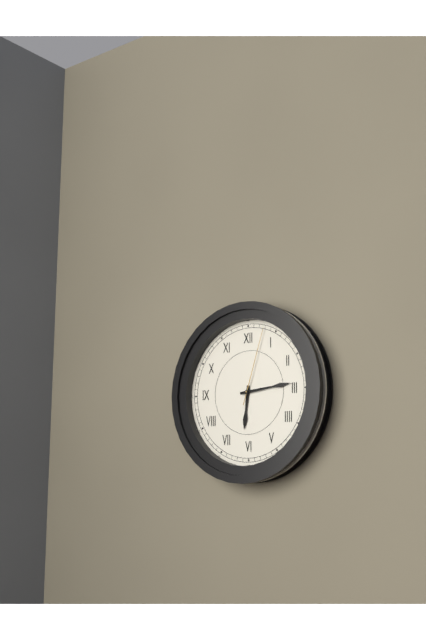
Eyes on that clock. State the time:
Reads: 6:14:03
